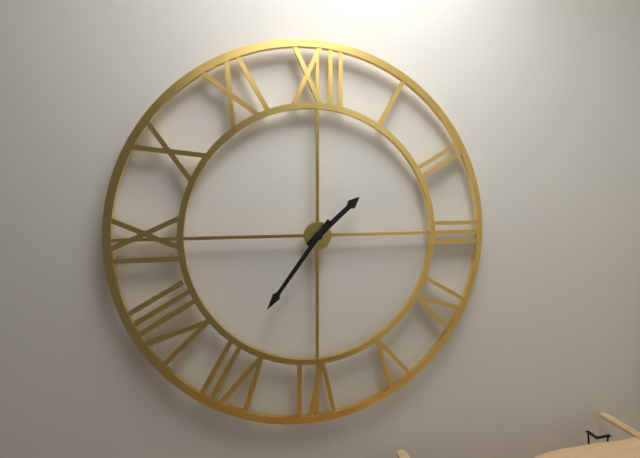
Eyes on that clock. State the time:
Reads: 1:36
